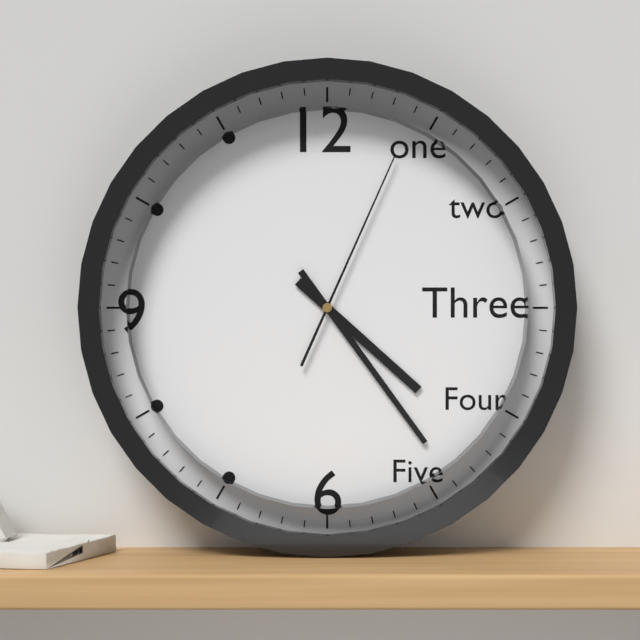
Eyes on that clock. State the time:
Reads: 4:24:04
